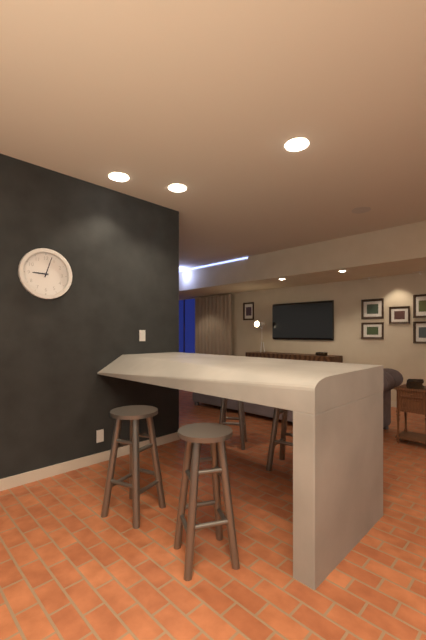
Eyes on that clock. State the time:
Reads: 9:03
